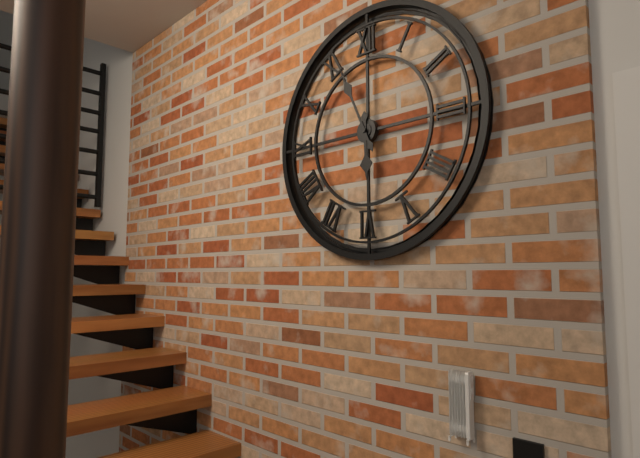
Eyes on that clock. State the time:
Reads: 5:56
